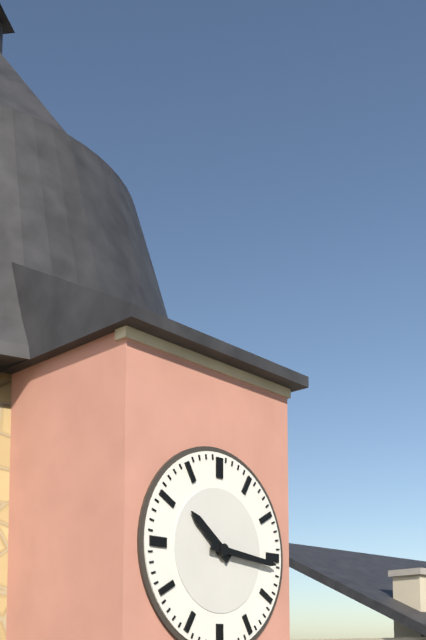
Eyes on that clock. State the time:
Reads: 10:16
